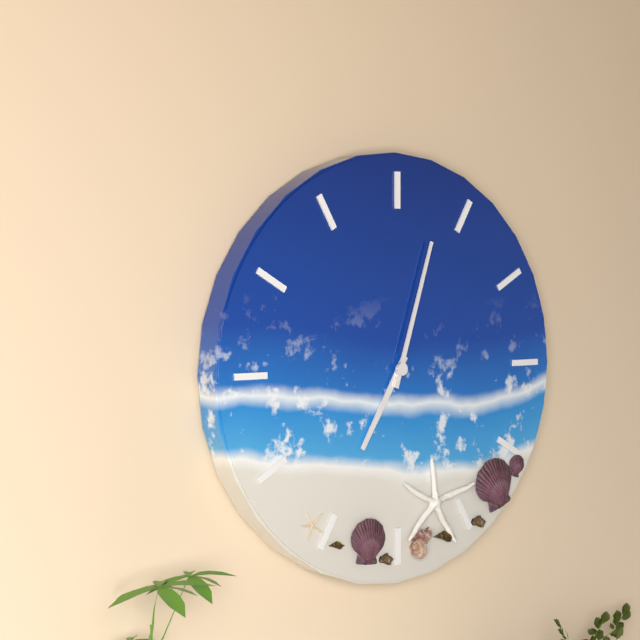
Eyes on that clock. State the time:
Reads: 7:03
